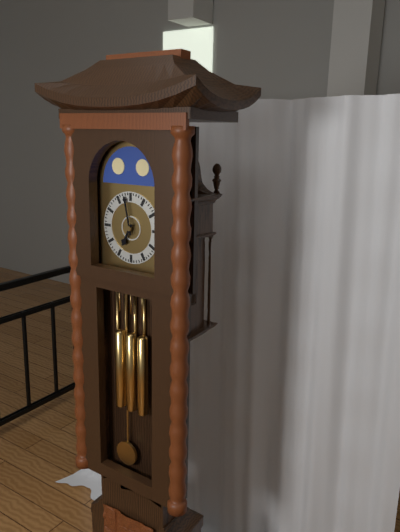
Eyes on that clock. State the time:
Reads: 6:58
